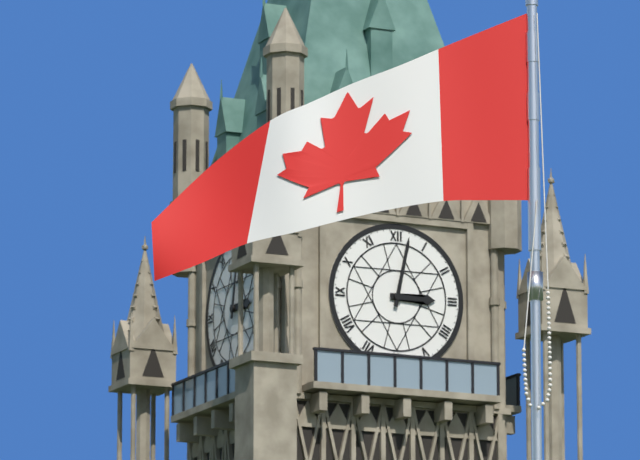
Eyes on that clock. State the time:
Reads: 3:02
